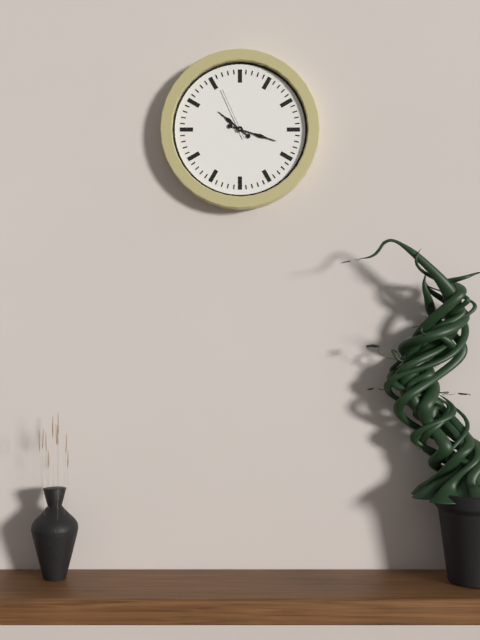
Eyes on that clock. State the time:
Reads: 10:18:56
